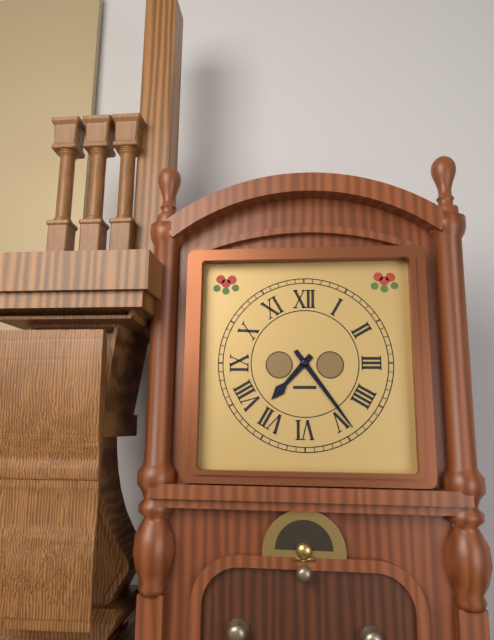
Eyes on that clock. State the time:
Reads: 7:24
